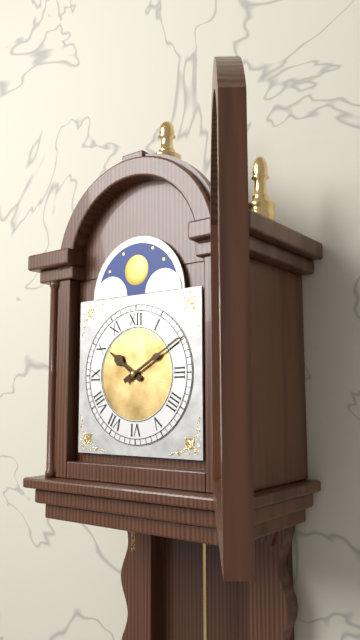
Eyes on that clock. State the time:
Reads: 10:10
